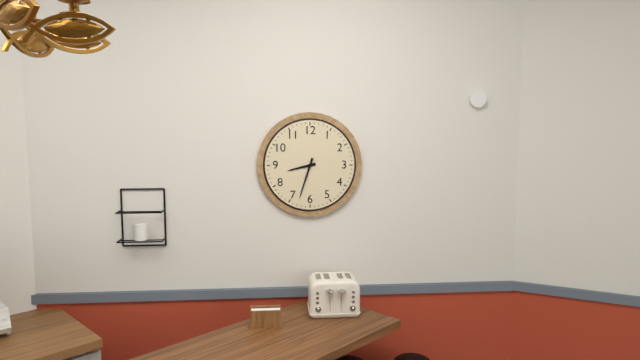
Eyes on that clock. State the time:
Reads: 8:33
